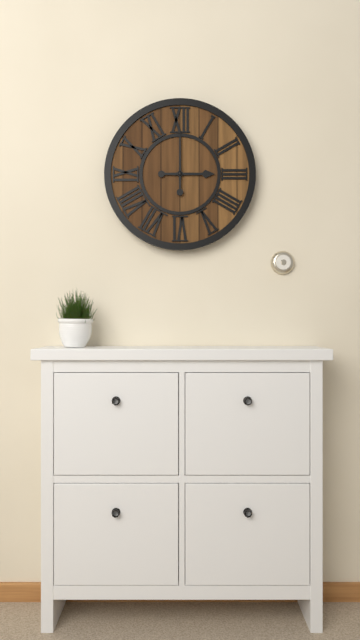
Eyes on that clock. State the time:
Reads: 3:00
